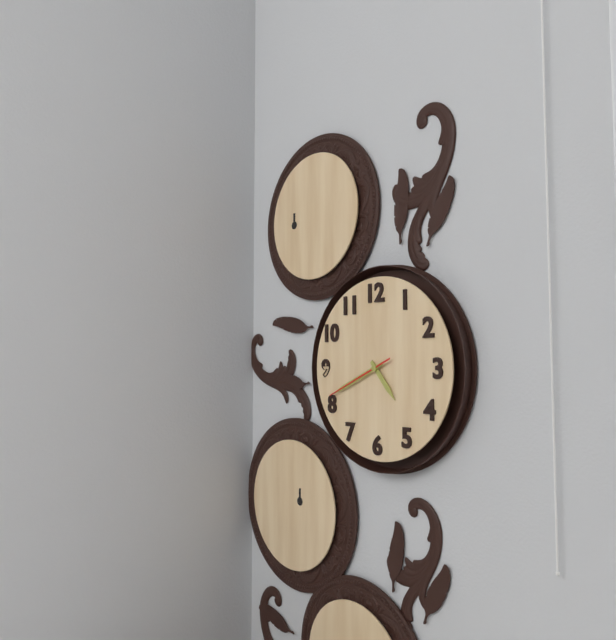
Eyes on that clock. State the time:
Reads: 4:41:41
